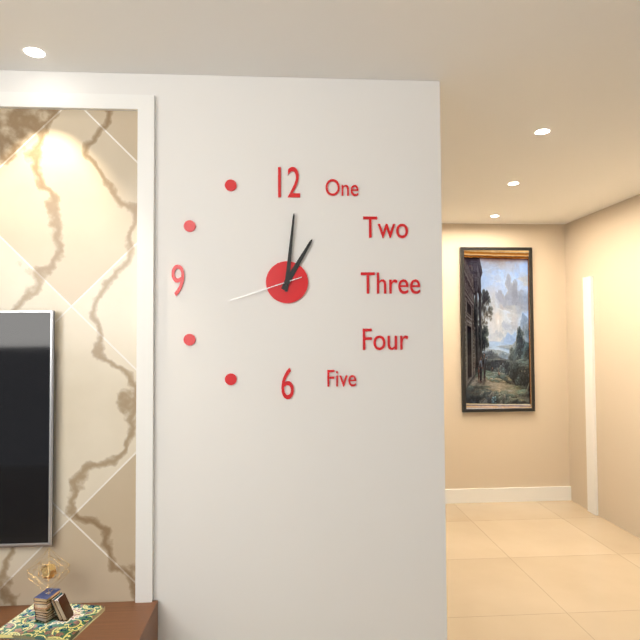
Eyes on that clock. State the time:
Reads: 1:01:42
